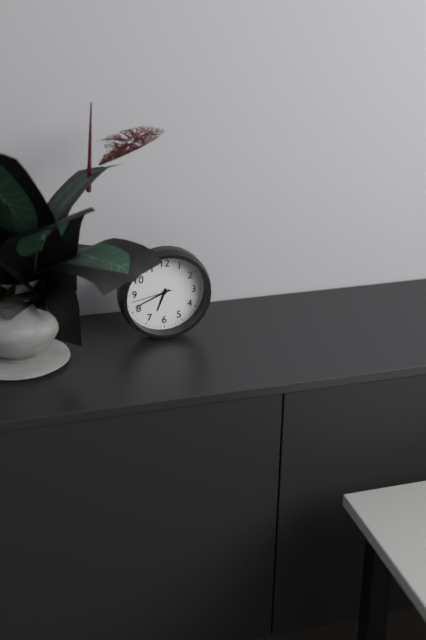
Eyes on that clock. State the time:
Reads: 6:41
